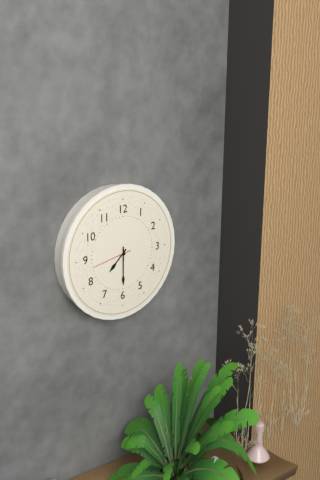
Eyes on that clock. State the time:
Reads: 7:30
